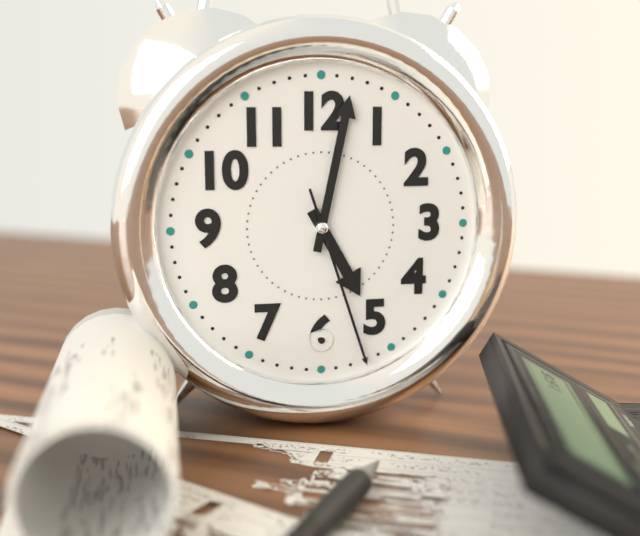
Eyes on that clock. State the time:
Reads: 5:02:27
